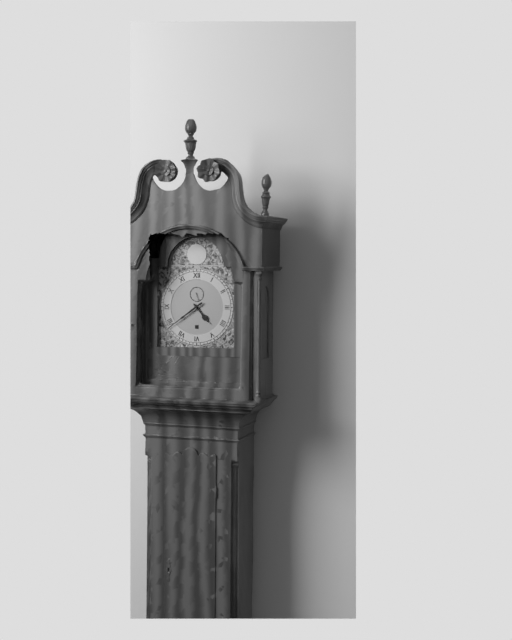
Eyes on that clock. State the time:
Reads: 4:39
